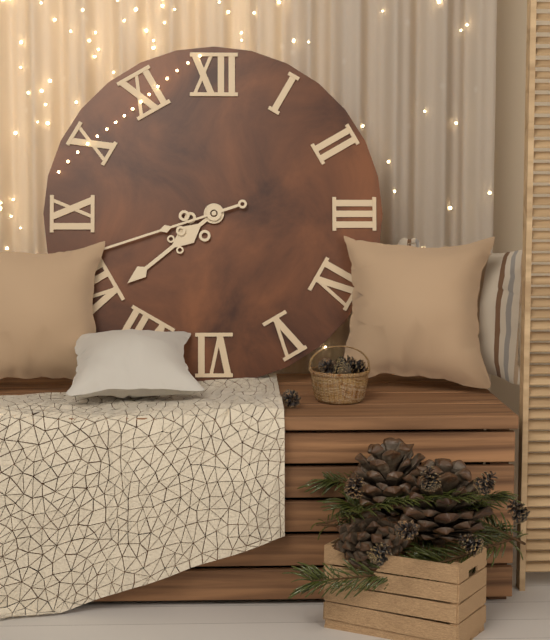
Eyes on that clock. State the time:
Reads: 7:42
